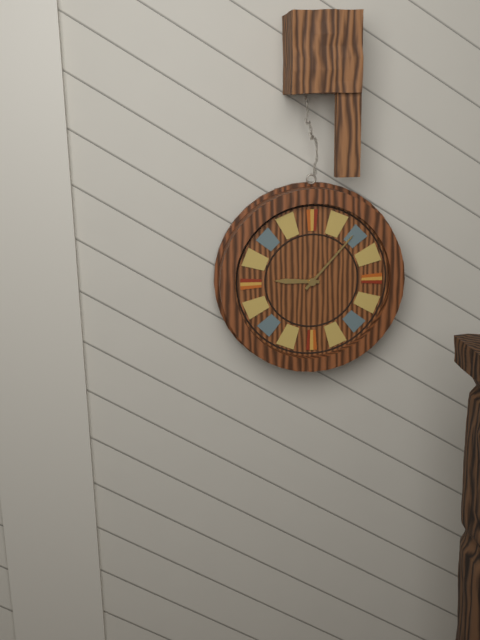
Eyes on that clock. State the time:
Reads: 9:07
